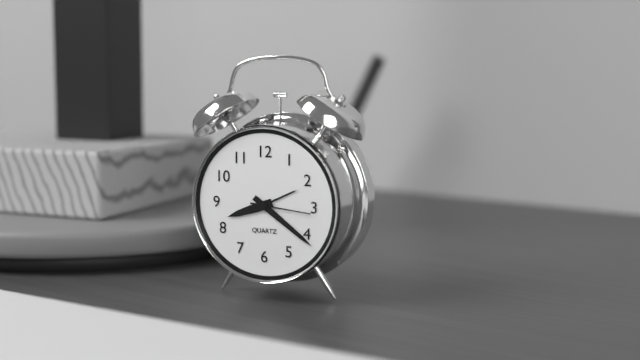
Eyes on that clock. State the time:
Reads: 8:21:16
